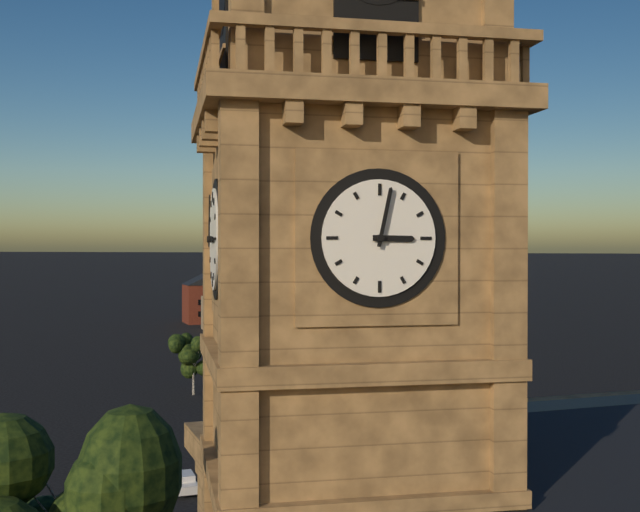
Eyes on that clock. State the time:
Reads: 3:02
